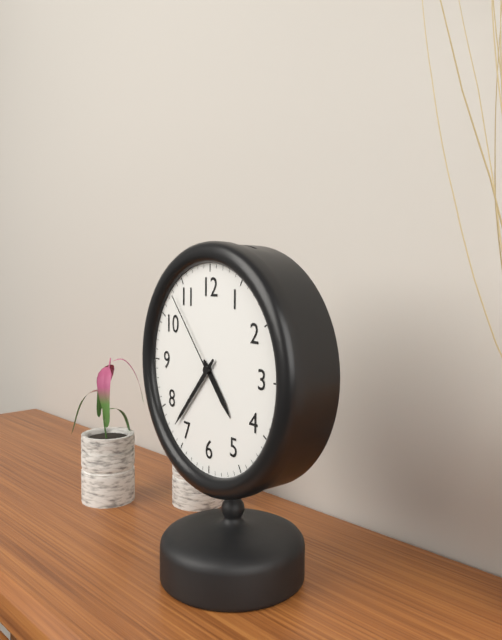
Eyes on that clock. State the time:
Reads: 4:37:53
